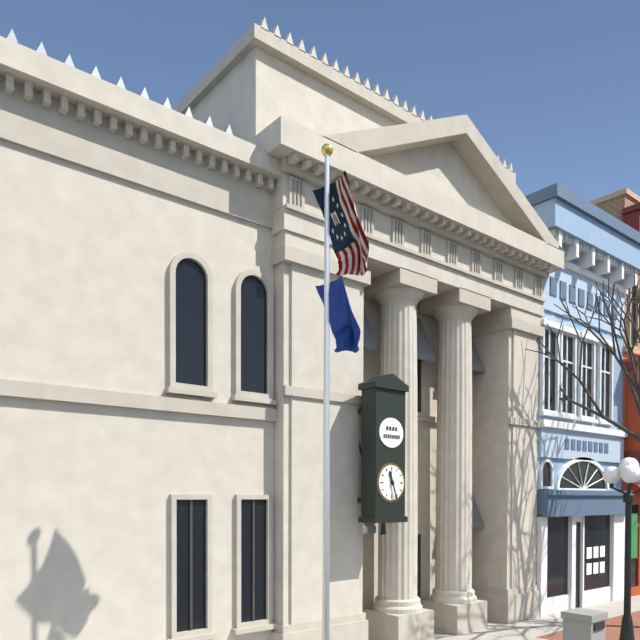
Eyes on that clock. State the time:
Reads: 11:27
